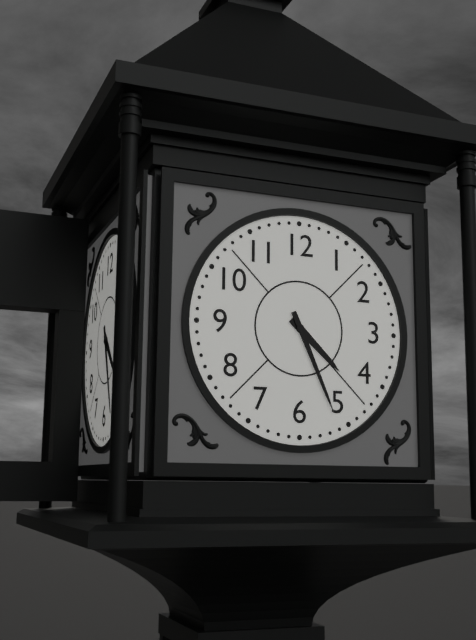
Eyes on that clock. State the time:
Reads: 4:26
